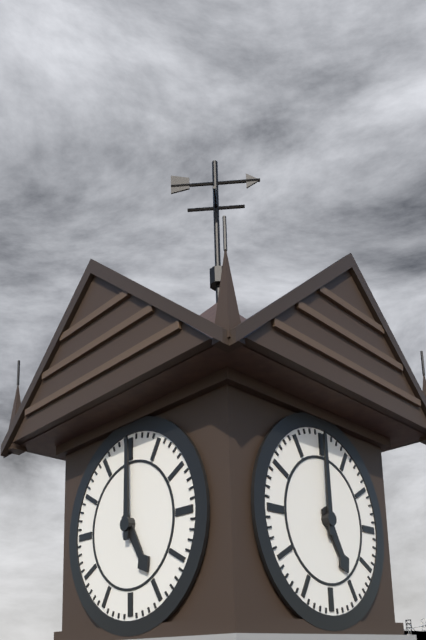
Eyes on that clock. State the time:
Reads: 5:00
